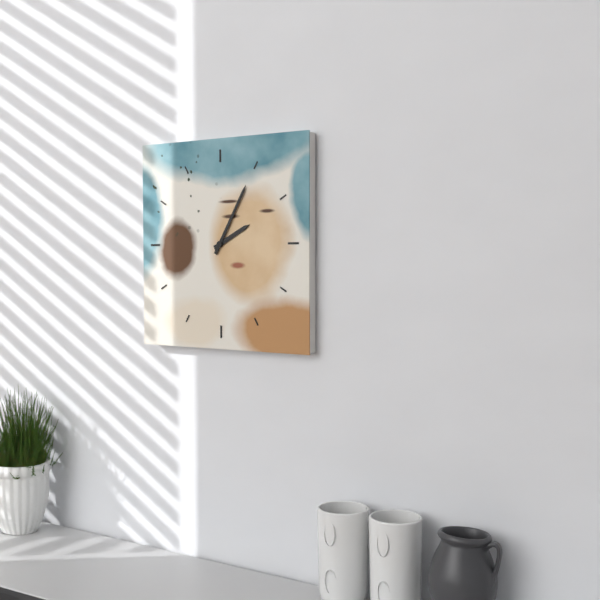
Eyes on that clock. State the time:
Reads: 2:05
